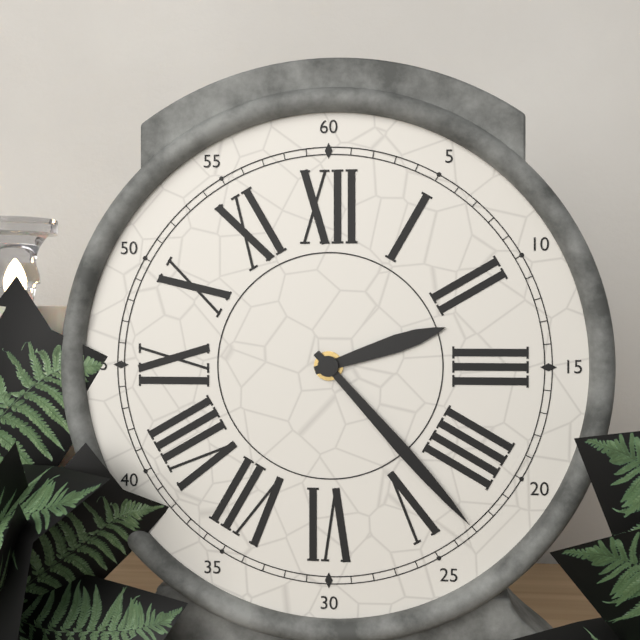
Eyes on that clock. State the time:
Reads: 2:23
